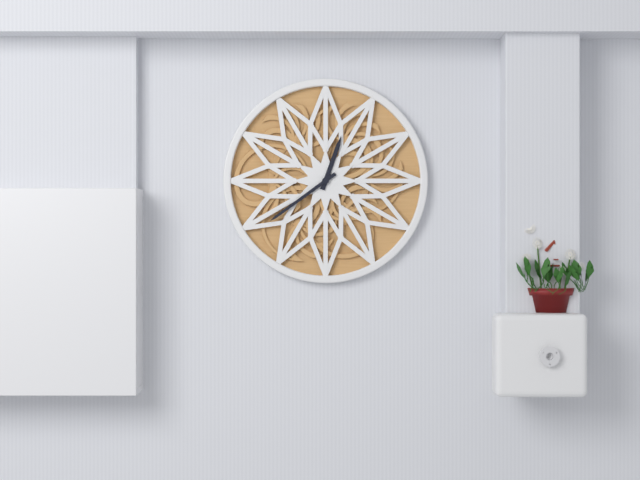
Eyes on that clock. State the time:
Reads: 12:39
